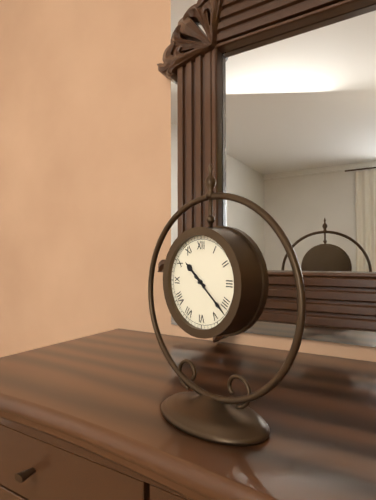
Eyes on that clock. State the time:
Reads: 10:22
